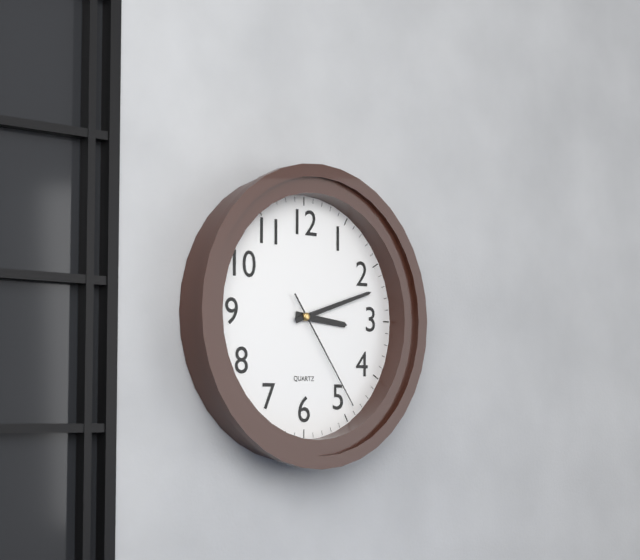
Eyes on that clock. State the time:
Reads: 3:12:24
